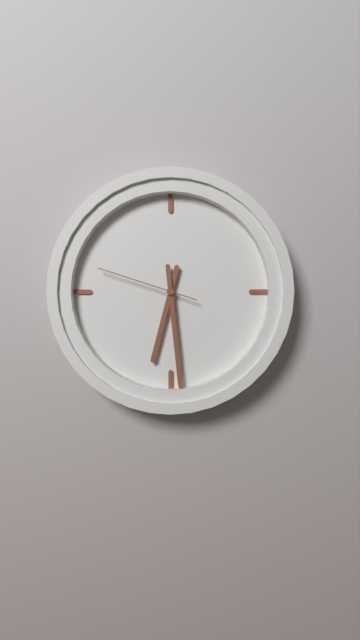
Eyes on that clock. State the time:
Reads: 6:29:48
